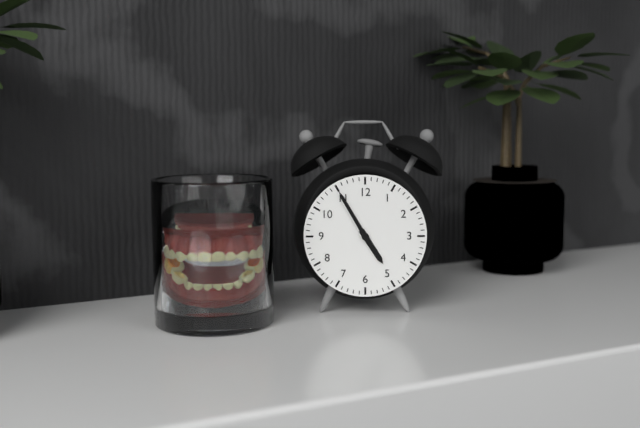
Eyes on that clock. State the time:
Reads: 4:55
